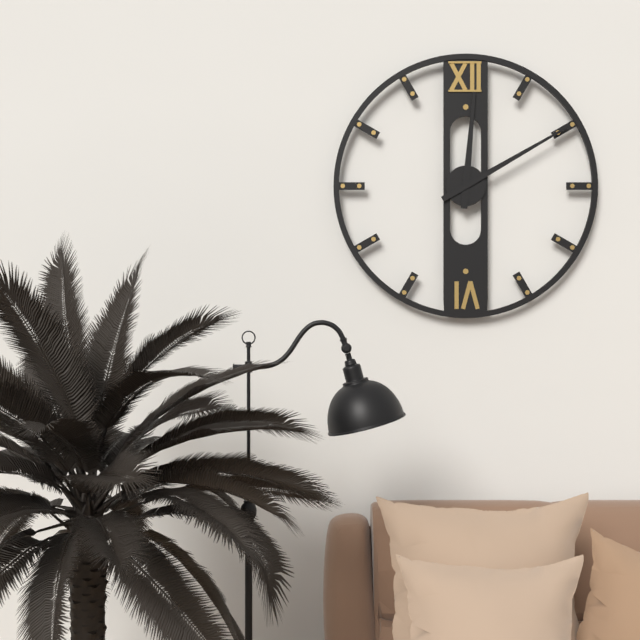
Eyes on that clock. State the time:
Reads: 12:10
